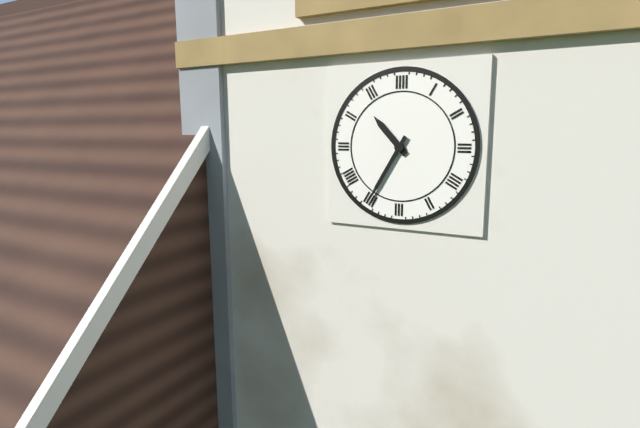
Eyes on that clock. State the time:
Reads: 10:35
